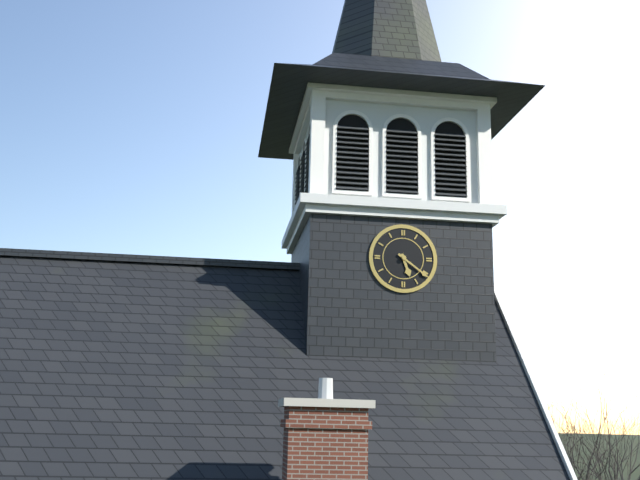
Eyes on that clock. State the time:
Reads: 5:21
